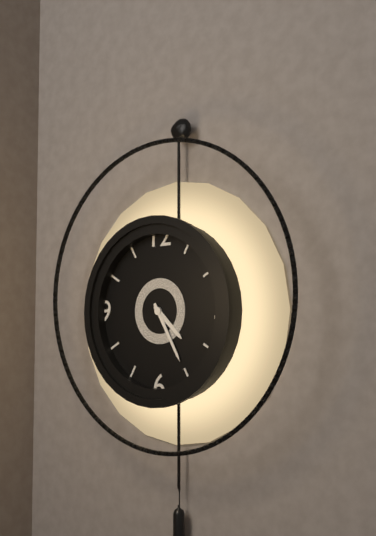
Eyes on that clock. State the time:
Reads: 4:25
